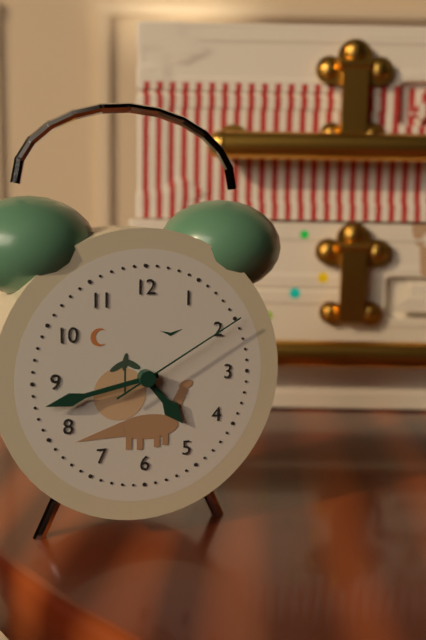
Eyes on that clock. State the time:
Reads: 4:43:10
